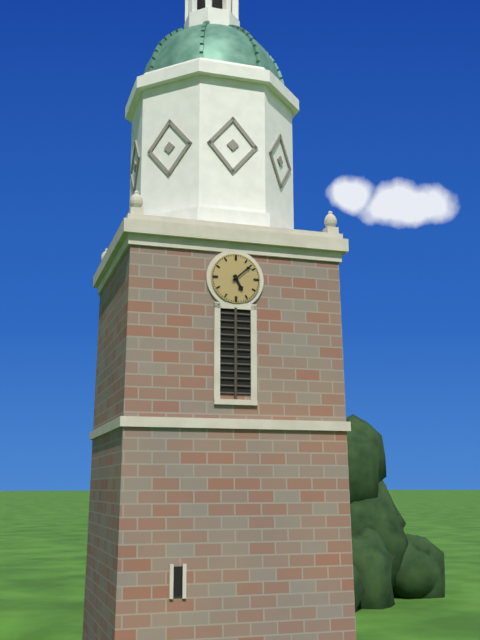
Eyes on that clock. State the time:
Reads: 5:08
